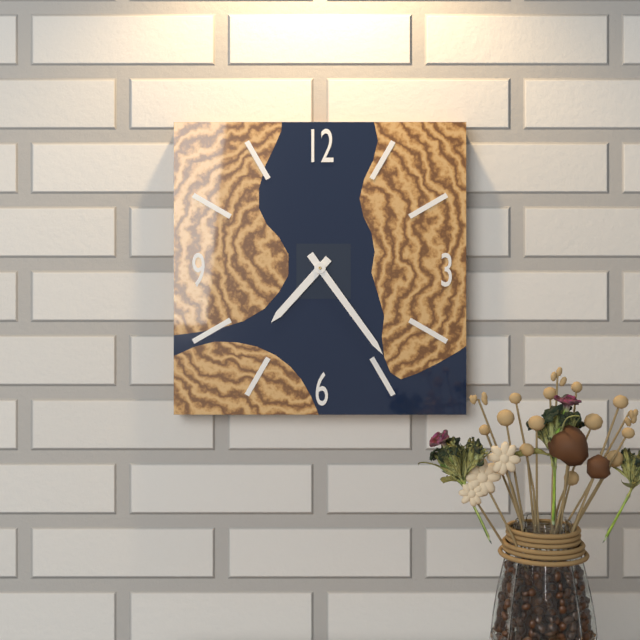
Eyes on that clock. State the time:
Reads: 7:24
